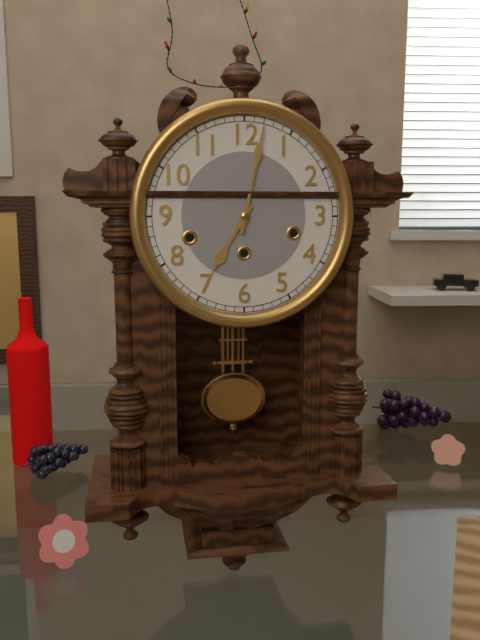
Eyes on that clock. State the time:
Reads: 7:02
